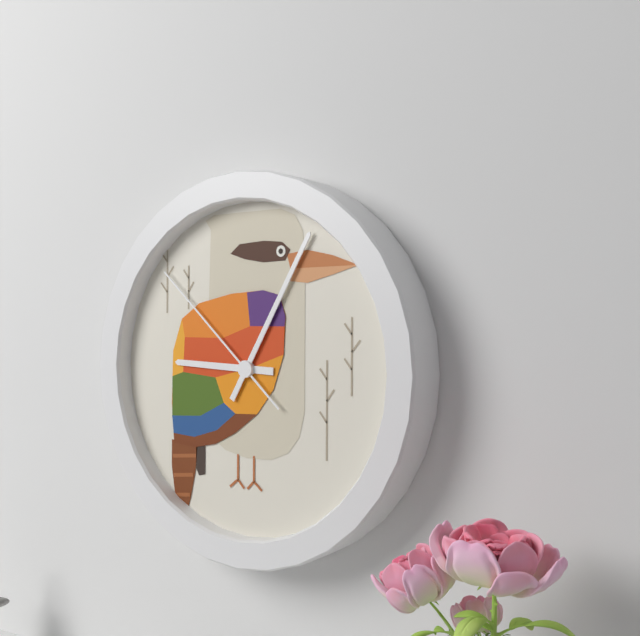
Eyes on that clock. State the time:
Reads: 9:05:52
